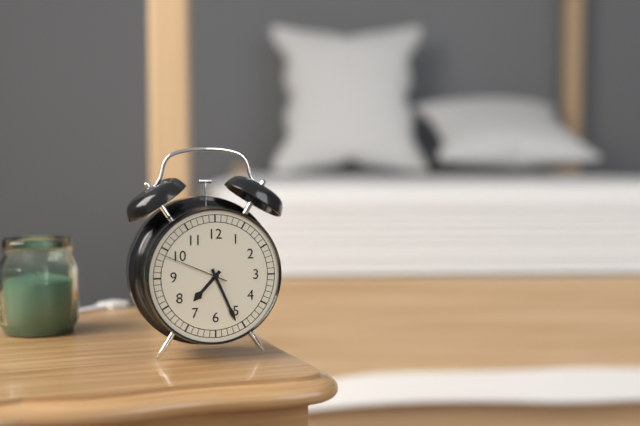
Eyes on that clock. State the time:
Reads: 7:26:49
